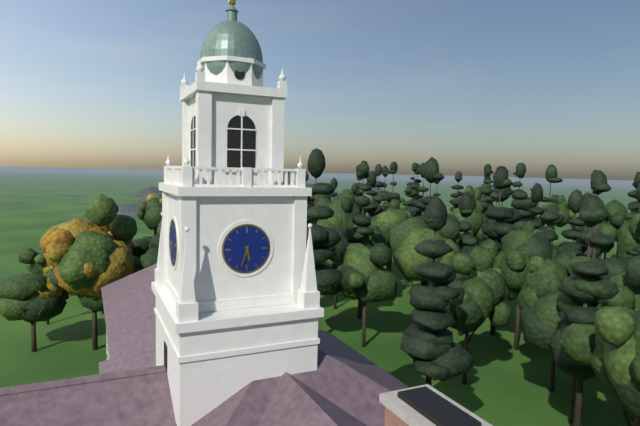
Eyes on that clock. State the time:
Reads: 5:33
